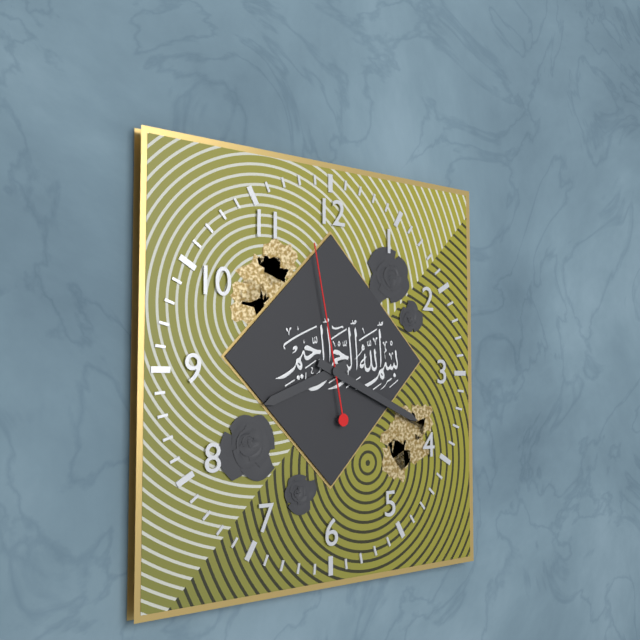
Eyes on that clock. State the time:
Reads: 8:19:58
